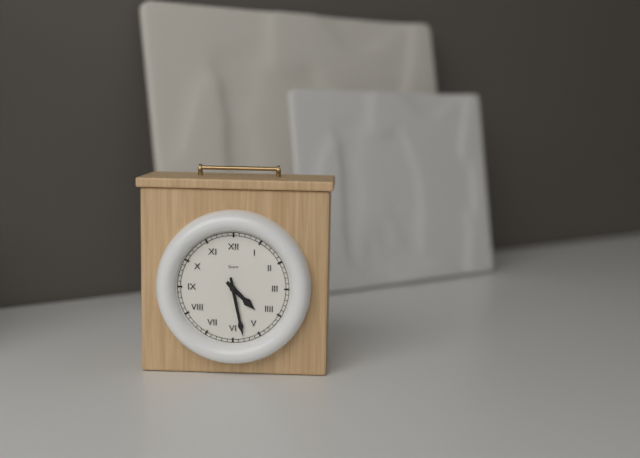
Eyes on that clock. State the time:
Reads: 4:28
